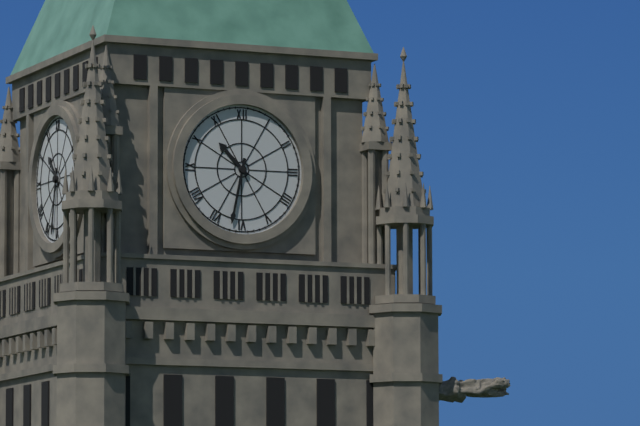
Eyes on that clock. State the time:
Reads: 10:32
